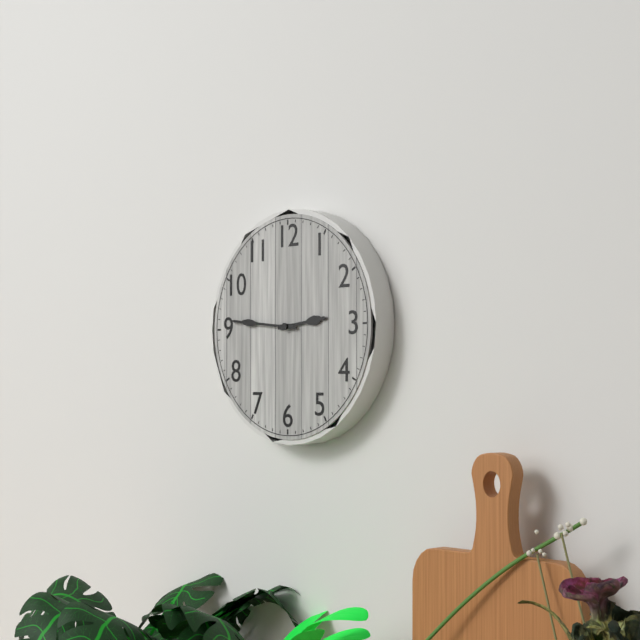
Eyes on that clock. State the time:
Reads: 2:46
